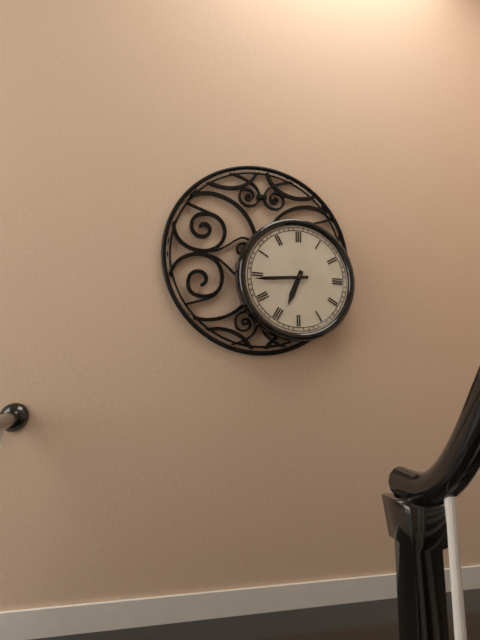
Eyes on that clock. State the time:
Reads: 6:44
